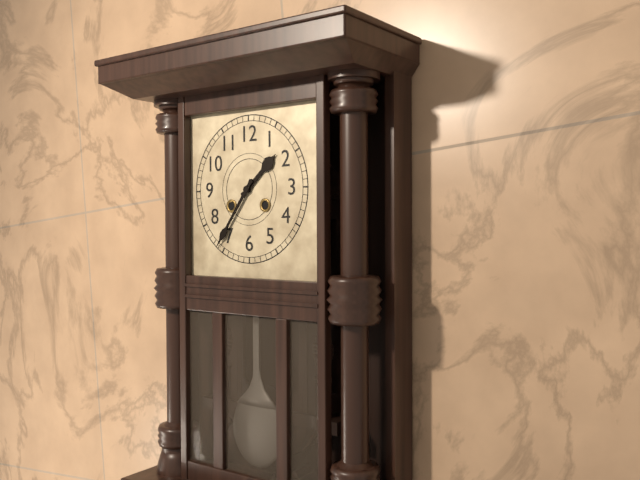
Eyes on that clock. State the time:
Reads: 1:36
